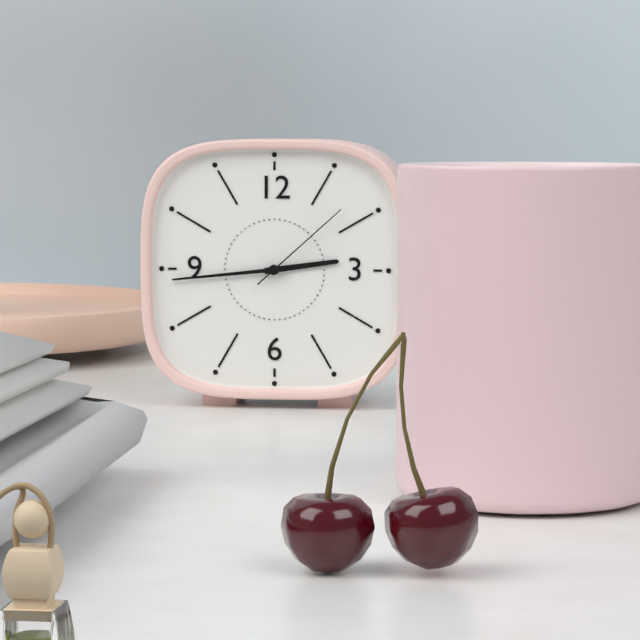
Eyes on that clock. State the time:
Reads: 2:44:08
